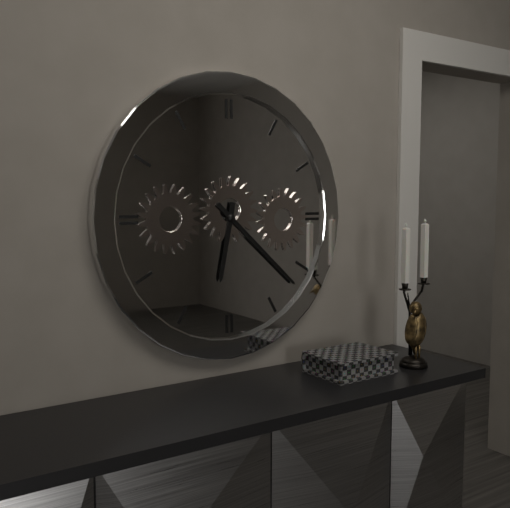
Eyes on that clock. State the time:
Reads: 6:22
